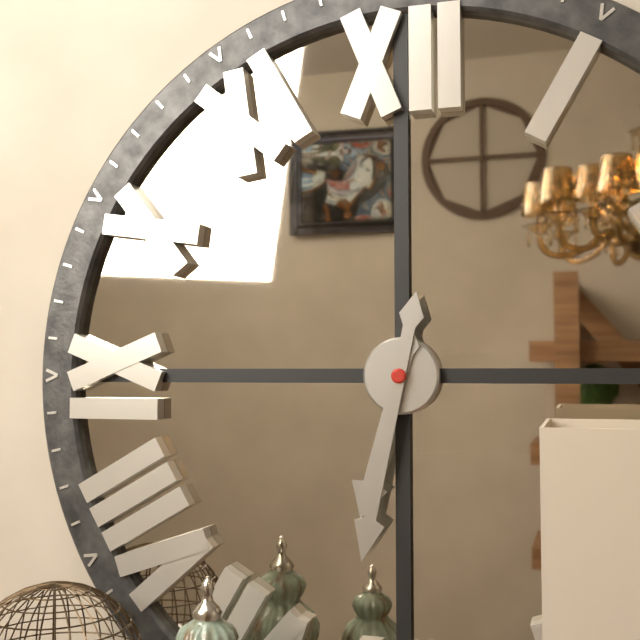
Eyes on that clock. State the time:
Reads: 6:32
